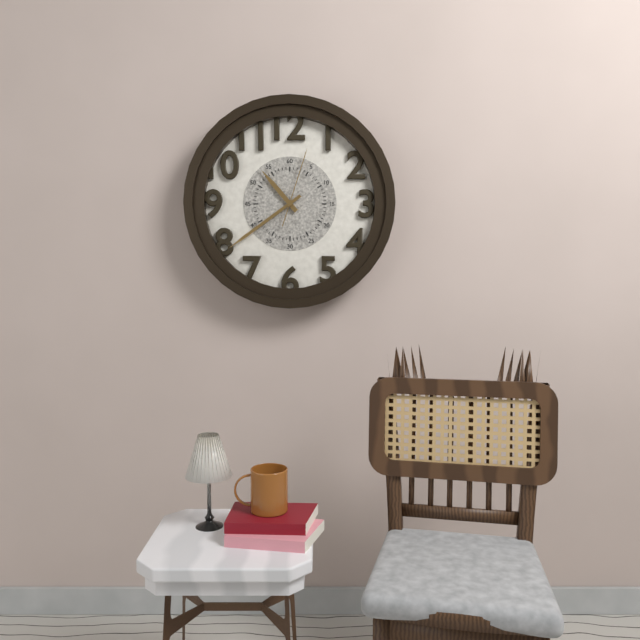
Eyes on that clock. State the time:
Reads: 10:39:03
